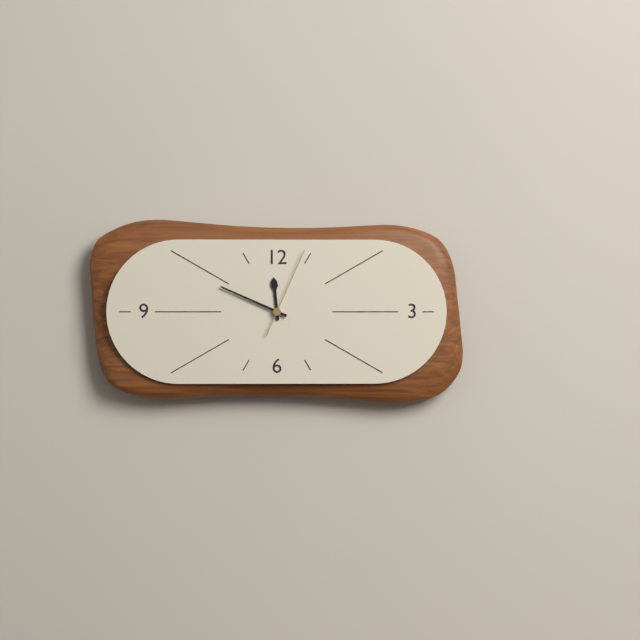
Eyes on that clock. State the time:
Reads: 11:49:04
